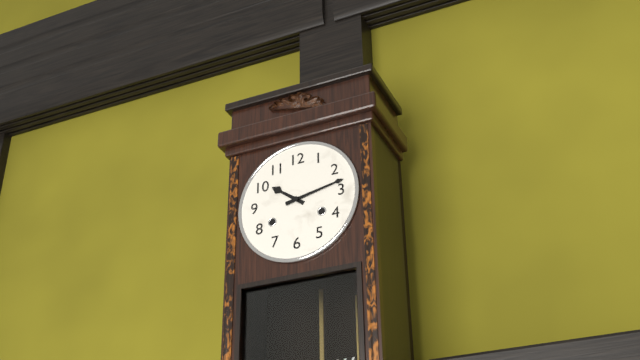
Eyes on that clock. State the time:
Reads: 10:13
